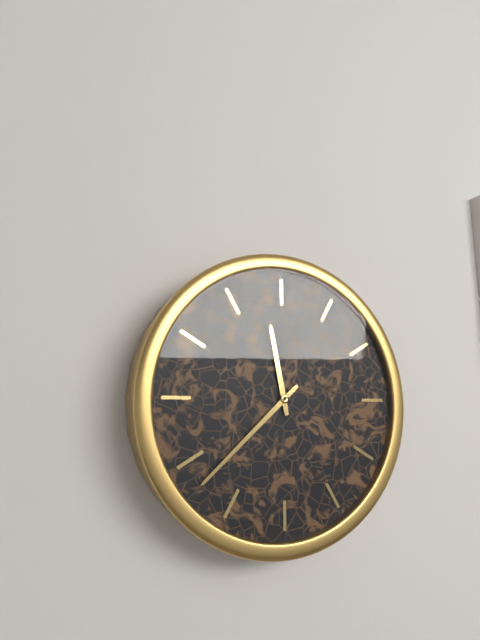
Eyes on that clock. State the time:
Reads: 11:38
